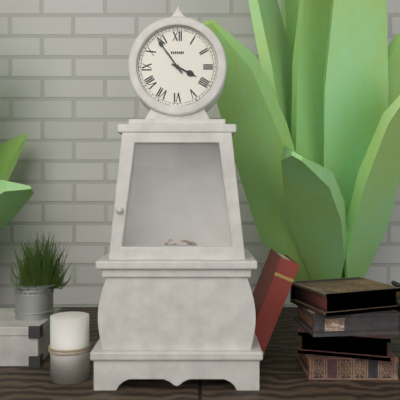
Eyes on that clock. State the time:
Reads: 3:54
